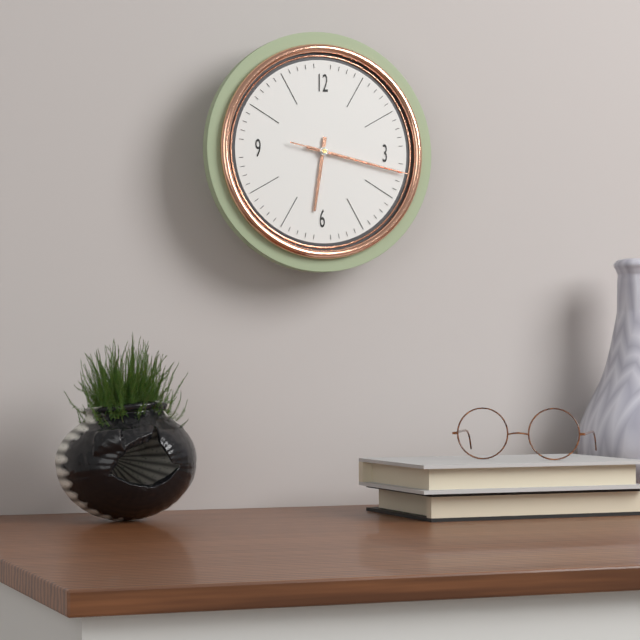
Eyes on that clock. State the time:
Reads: 6:17:17
